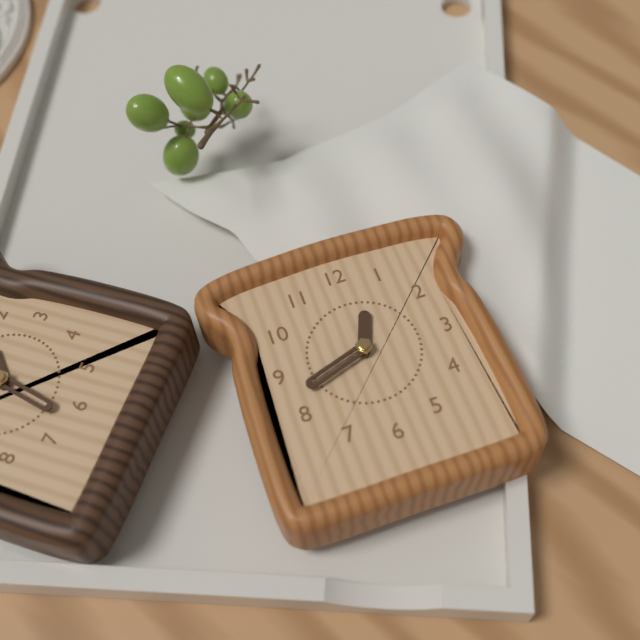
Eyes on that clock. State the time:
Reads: 12:42
